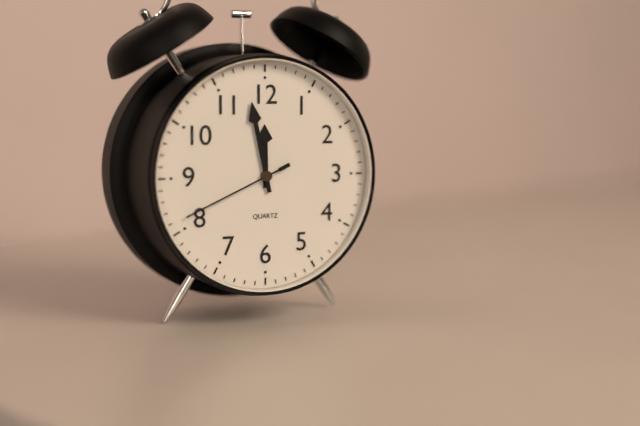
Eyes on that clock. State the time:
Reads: 11:58:41
